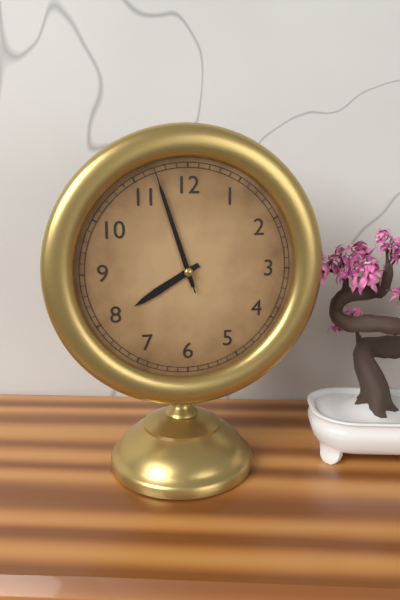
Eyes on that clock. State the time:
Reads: 7:57:57
